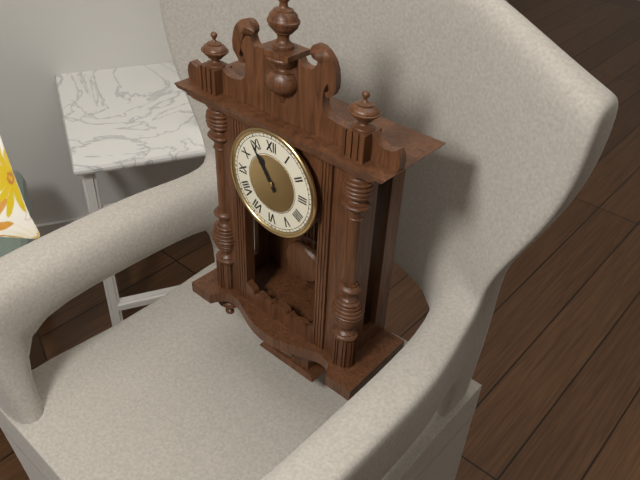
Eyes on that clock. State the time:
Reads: 10:54
